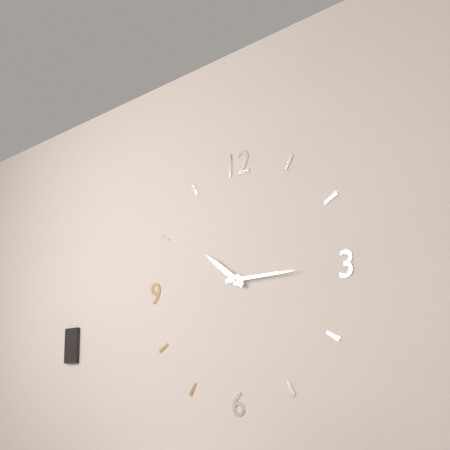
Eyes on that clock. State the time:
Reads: 10:15
